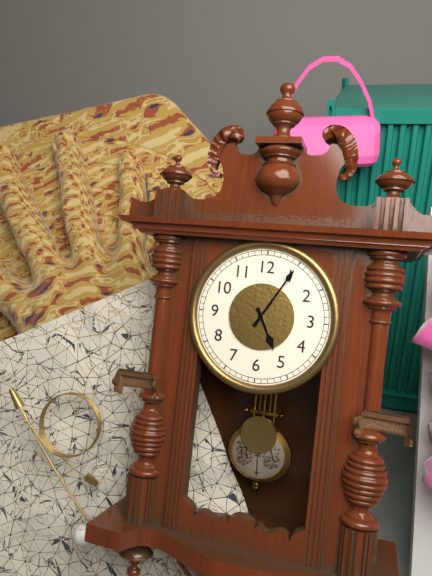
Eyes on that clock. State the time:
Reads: 5:05
